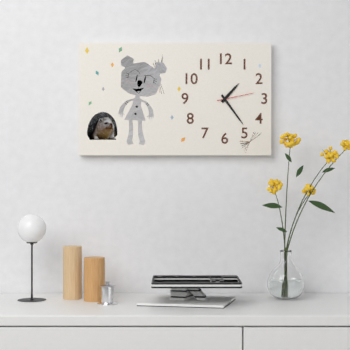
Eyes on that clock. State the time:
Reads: 1:24
